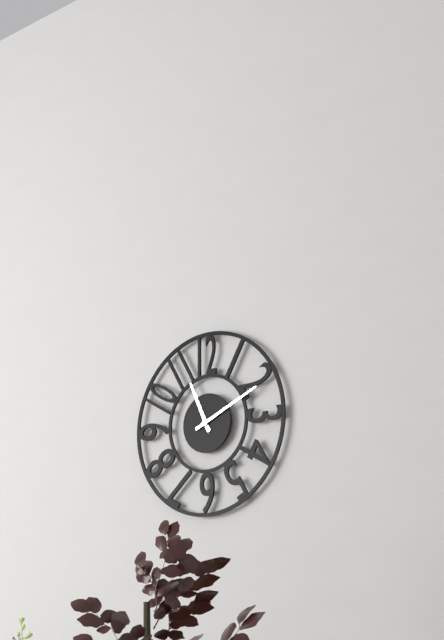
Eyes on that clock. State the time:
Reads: 11:11
